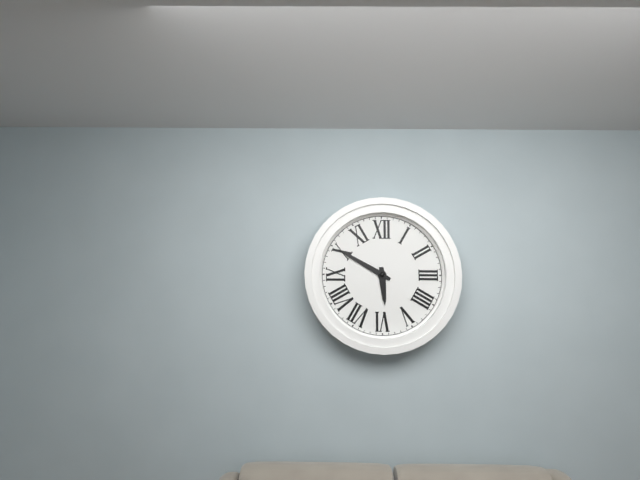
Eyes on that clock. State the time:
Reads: 5:50
